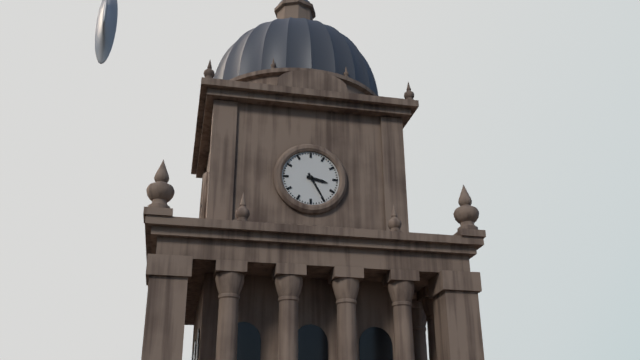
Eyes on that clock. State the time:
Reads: 3:25
